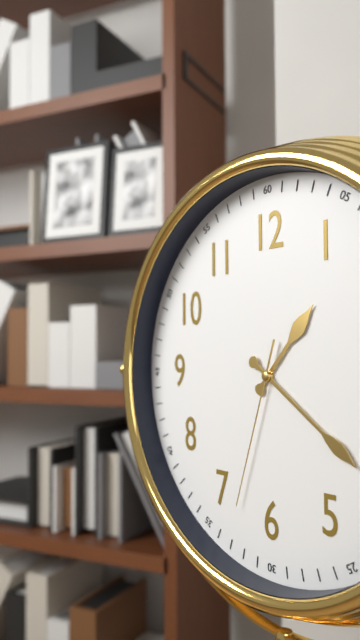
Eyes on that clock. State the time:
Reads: 1:21:33
